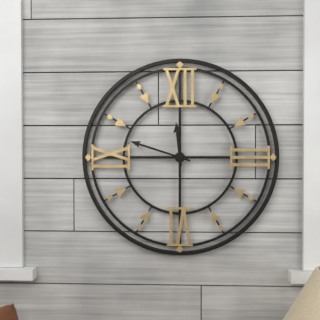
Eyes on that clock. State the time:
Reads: 11:48
